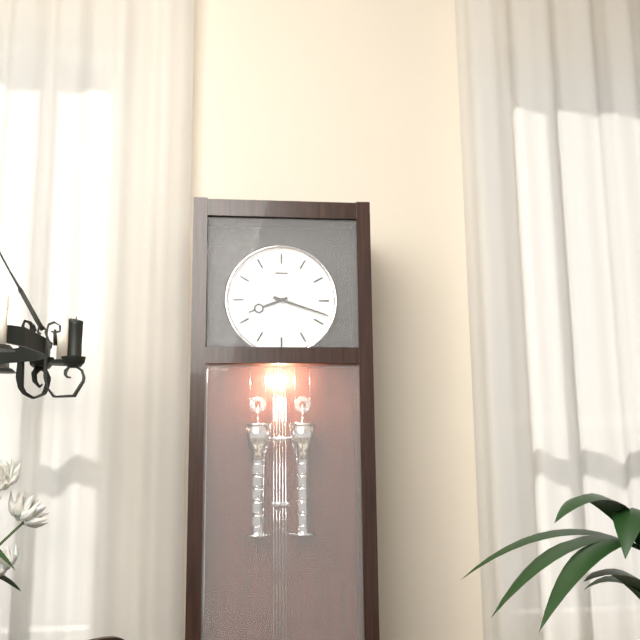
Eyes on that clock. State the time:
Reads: 8:18
